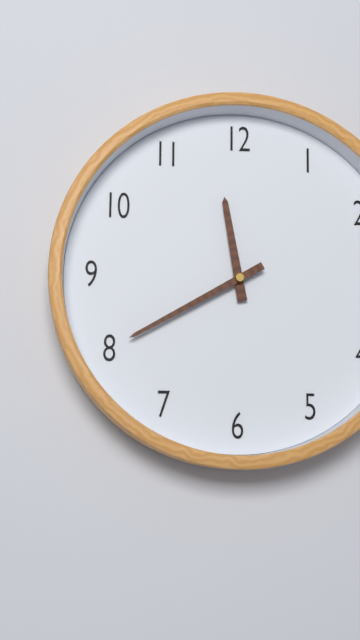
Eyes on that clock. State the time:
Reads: 11:40
